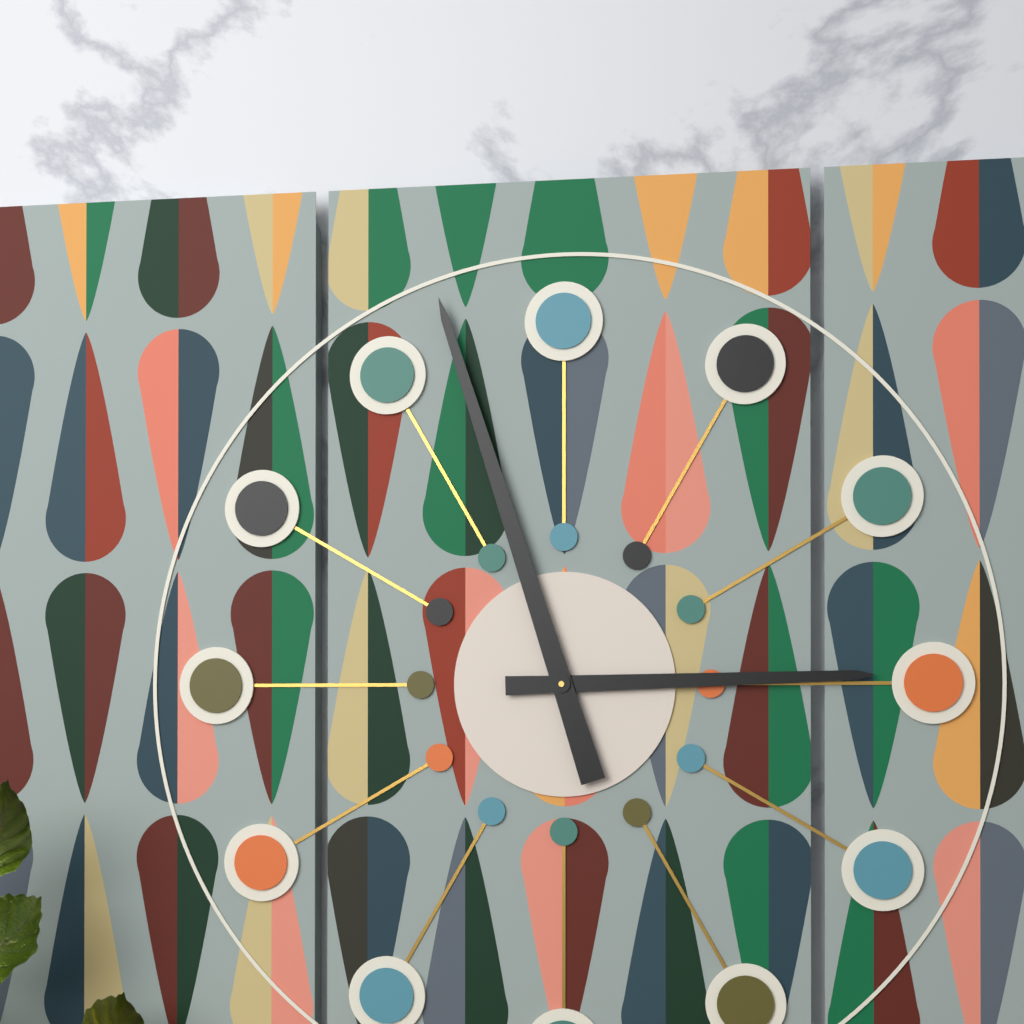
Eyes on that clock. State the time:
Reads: 2:57
